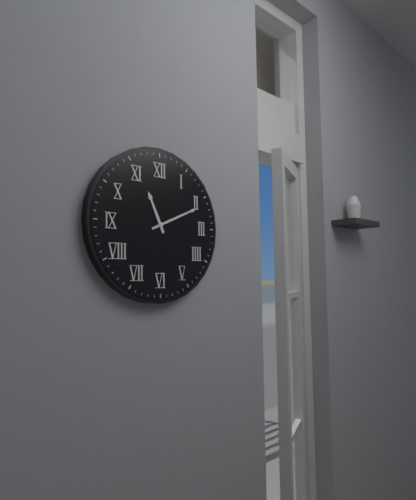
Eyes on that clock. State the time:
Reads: 11:11
